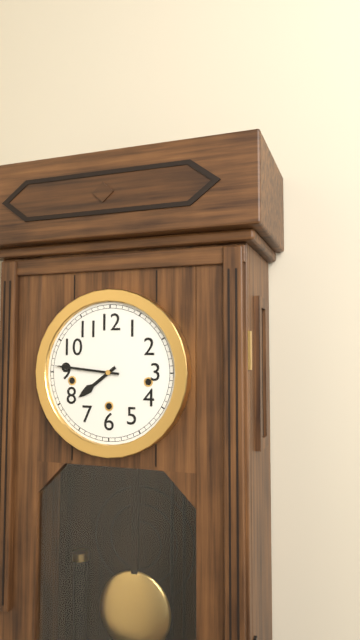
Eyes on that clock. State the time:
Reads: 7:46
